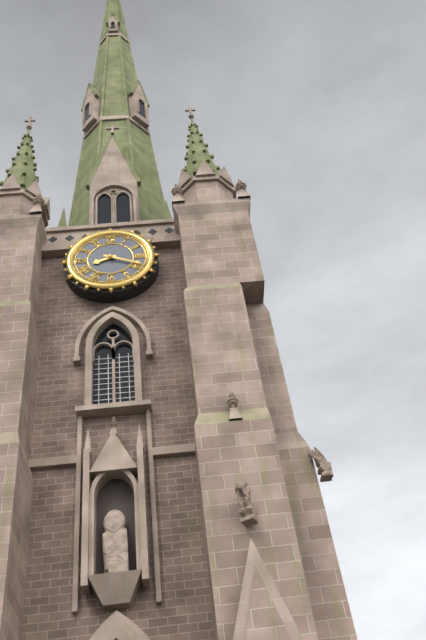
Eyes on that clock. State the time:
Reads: 8:19
